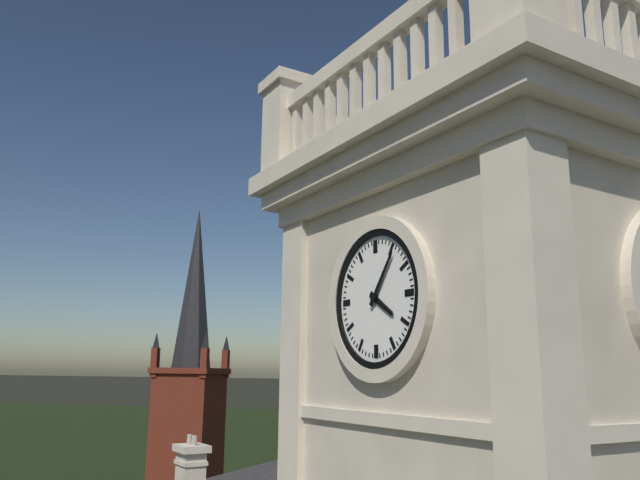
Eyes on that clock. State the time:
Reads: 4:06
